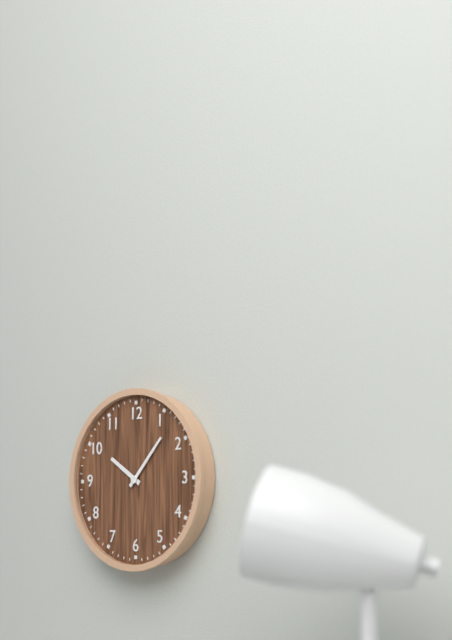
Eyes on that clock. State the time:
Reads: 10:07
